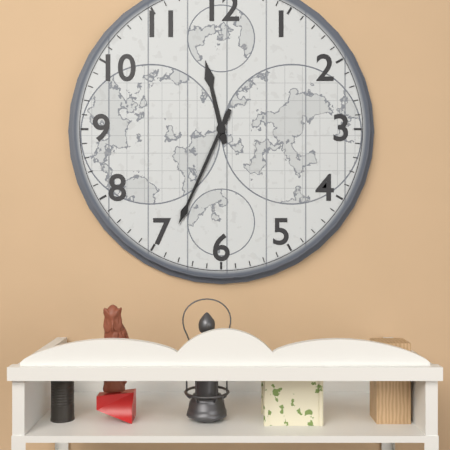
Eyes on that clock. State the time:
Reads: 11:34
